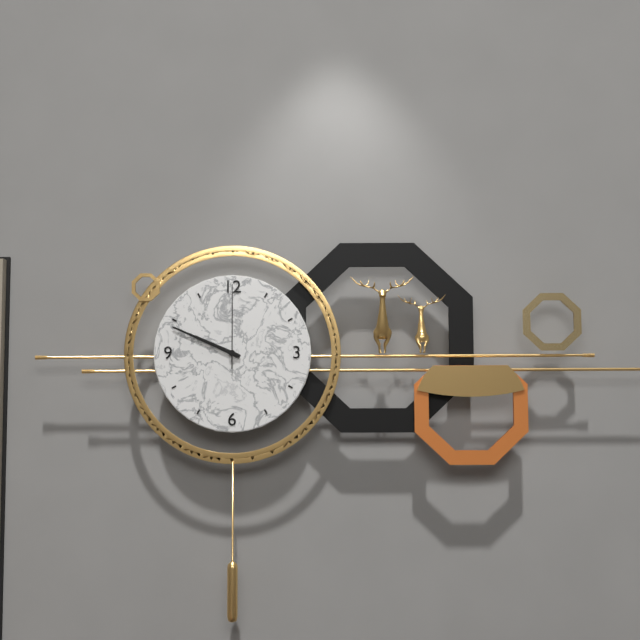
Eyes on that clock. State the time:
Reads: 9:49:00
